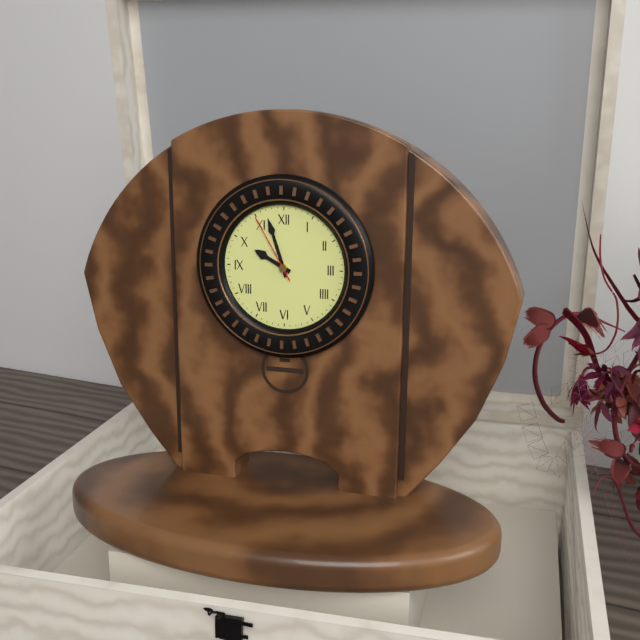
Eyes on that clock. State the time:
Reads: 9:57:55
